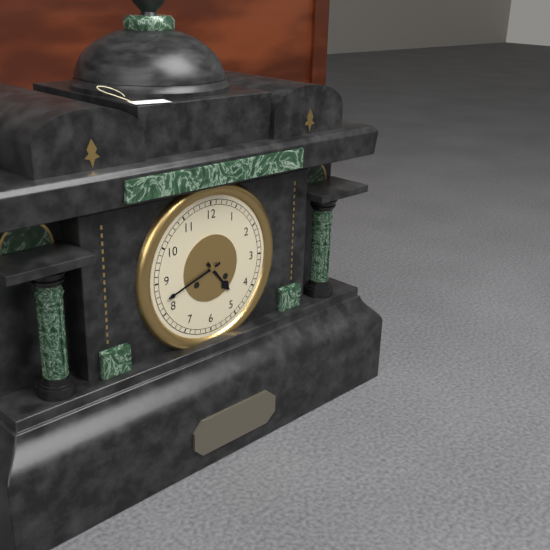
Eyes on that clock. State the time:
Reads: 4:42
